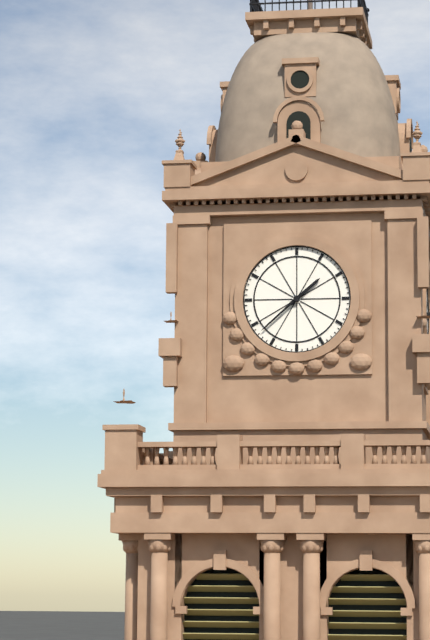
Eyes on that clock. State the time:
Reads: 1:38
